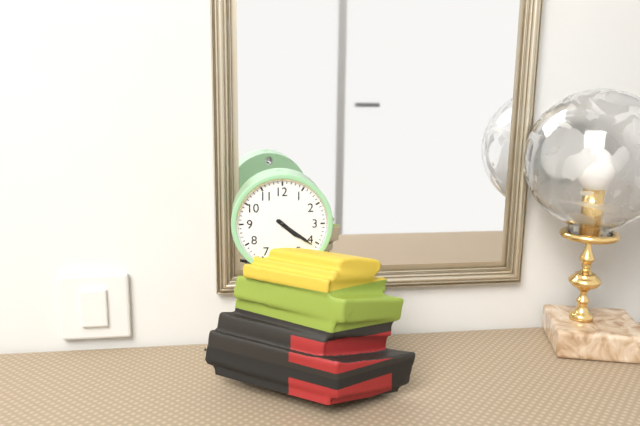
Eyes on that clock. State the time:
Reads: 4:21
